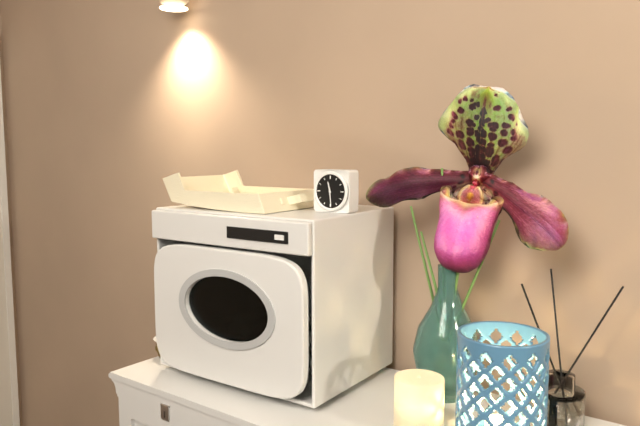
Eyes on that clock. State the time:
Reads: 11:29
